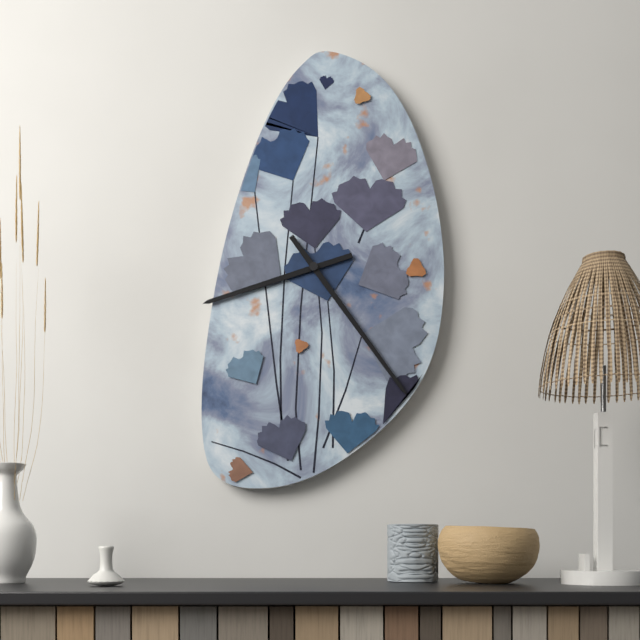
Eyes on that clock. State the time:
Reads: 8:24
